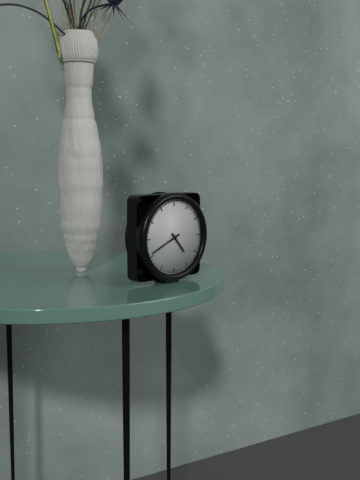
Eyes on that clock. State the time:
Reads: 4:41
